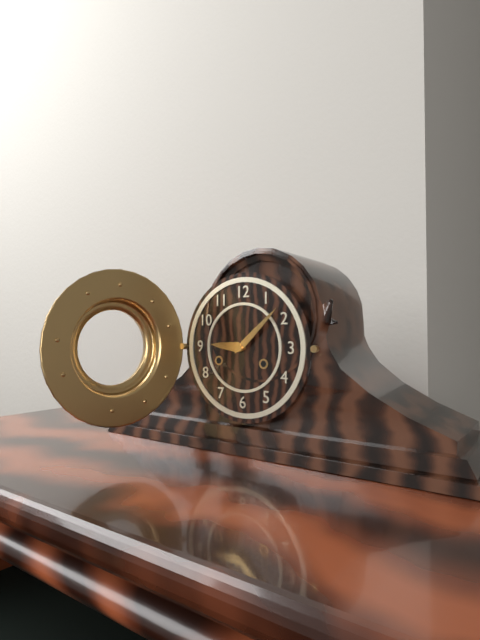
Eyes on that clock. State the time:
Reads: 9:08
